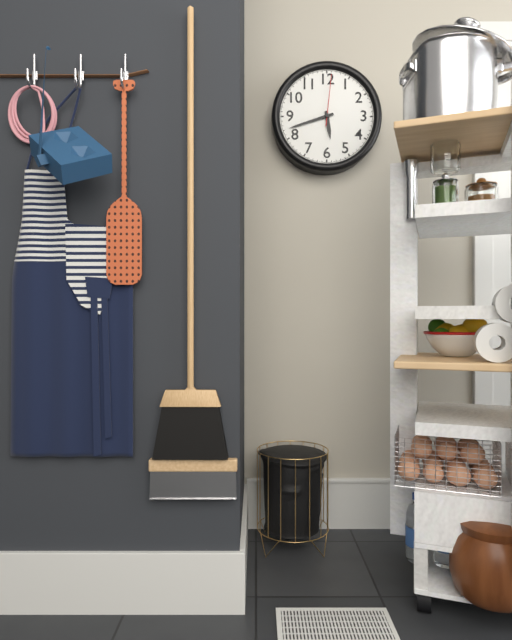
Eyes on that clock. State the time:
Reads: 5:42:01
